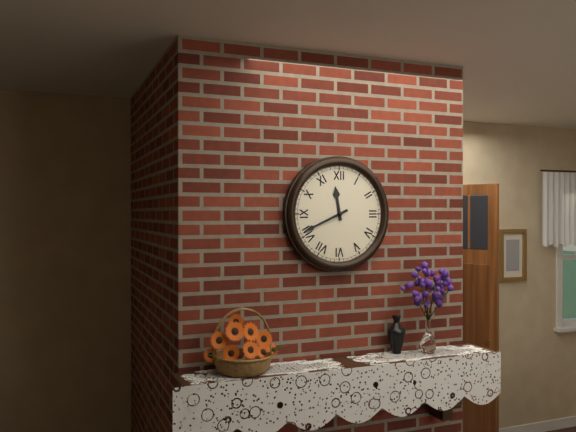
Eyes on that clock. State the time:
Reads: 11:41
